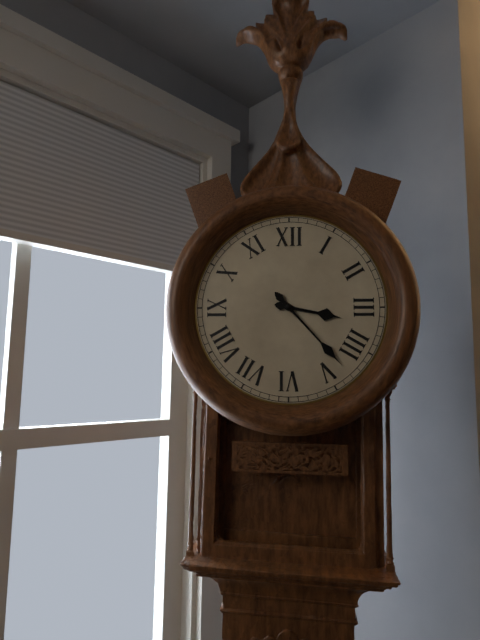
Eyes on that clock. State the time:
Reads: 3:23
